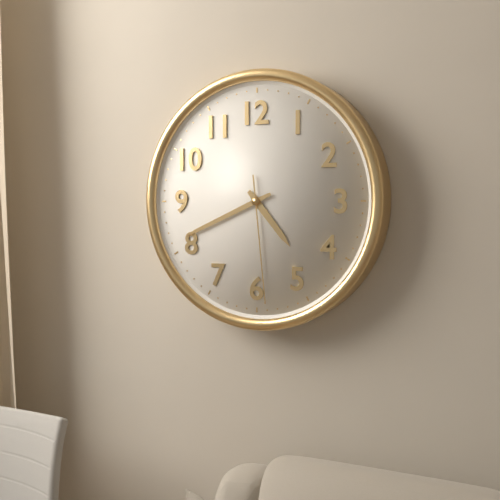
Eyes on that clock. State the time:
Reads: 4:41:29
